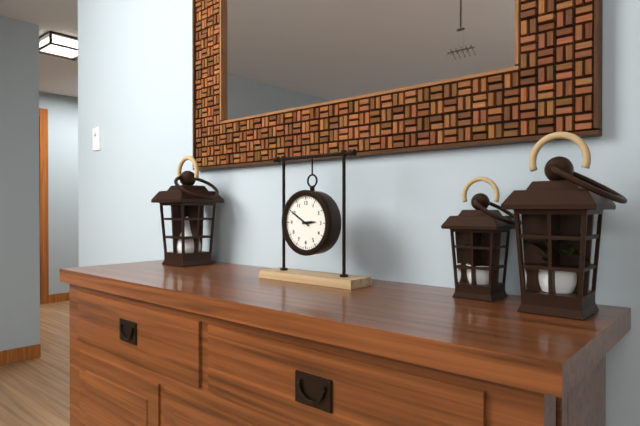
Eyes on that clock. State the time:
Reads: 2:50
